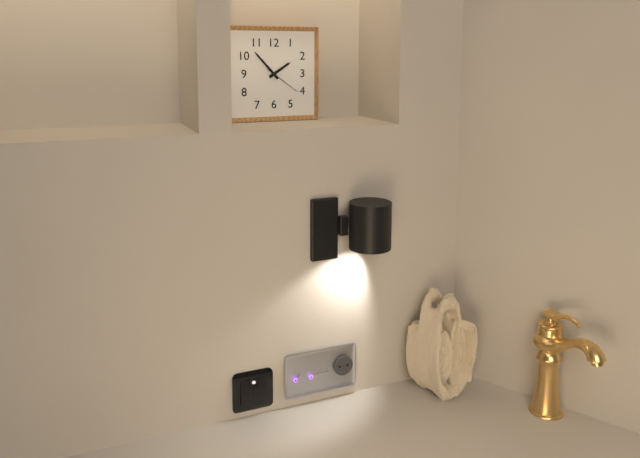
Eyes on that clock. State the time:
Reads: 1:53
